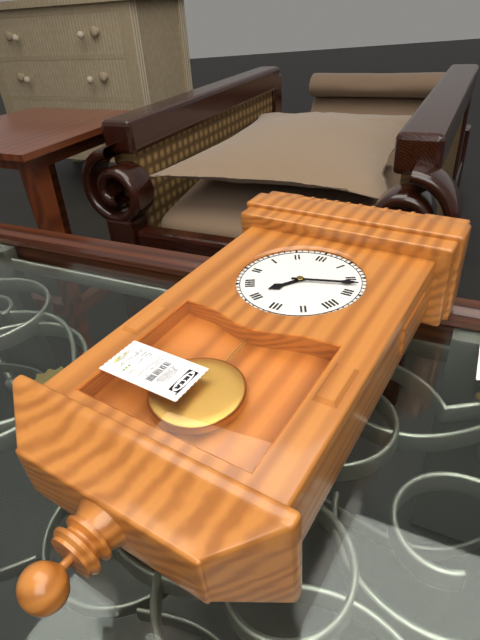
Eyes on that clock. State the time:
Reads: 7:12
